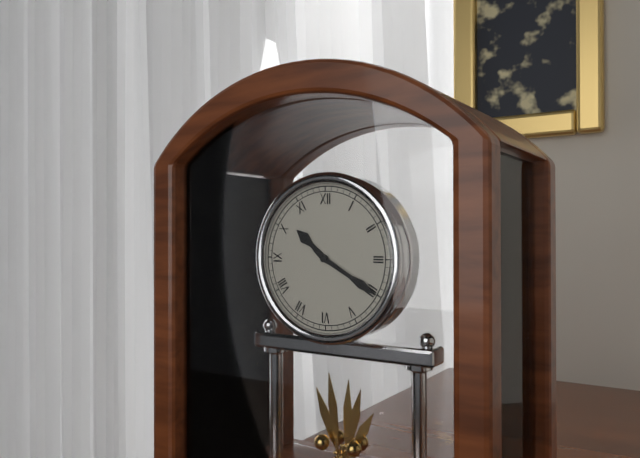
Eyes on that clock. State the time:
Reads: 10:20
